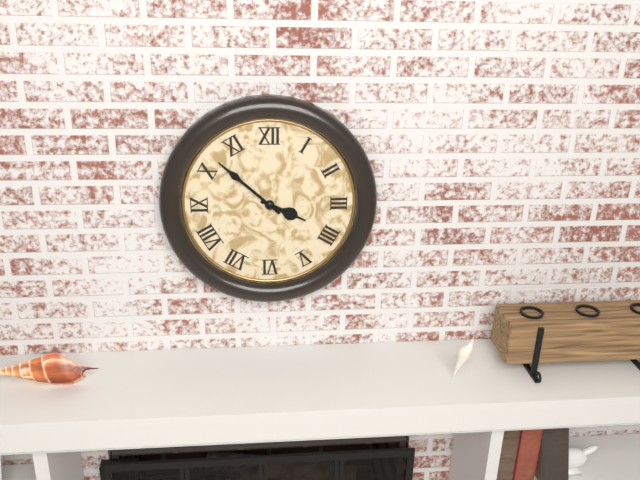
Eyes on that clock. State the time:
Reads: 3:52
